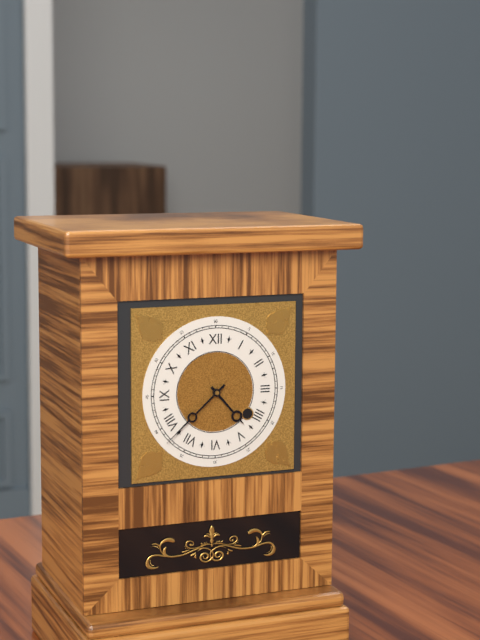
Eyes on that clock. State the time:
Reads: 4:38
